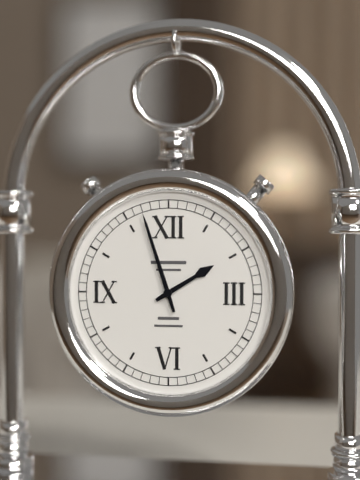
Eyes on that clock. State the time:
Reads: 1:57
